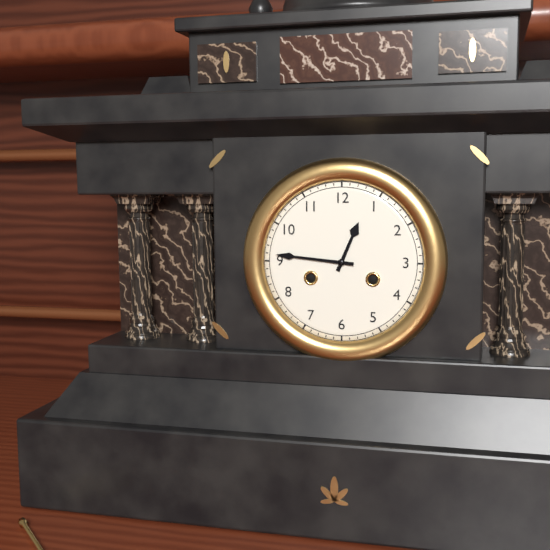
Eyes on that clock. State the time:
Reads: 12:46
